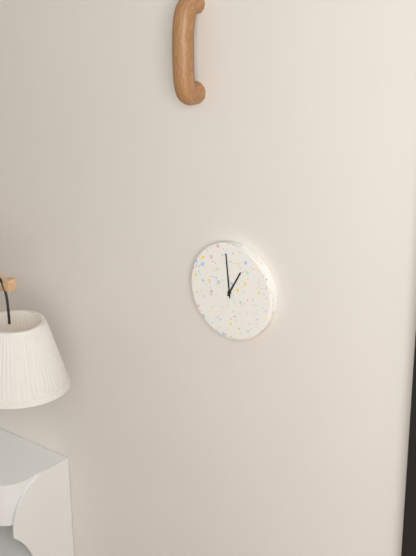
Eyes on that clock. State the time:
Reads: 12:59
